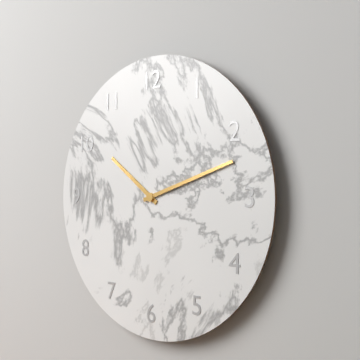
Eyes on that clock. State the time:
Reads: 10:12
